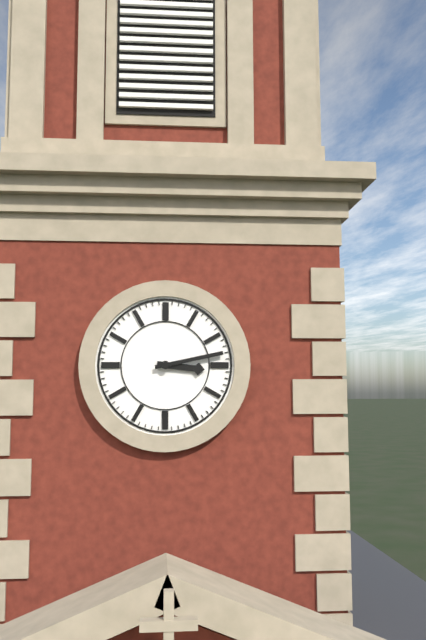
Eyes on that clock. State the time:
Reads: 3:13
